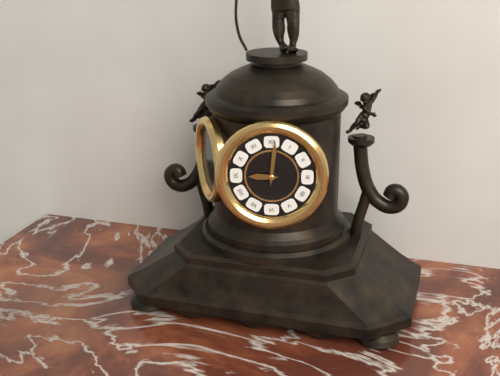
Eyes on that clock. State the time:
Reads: 9:01
